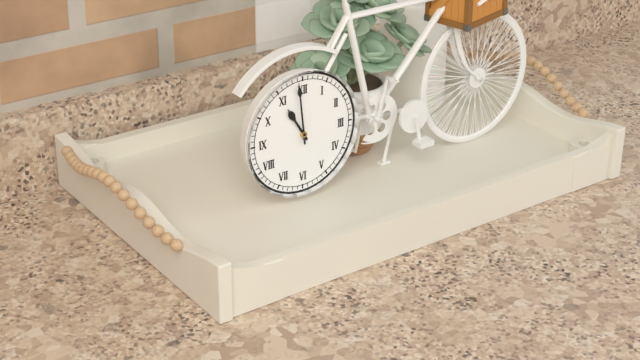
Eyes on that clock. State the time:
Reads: 10:59
